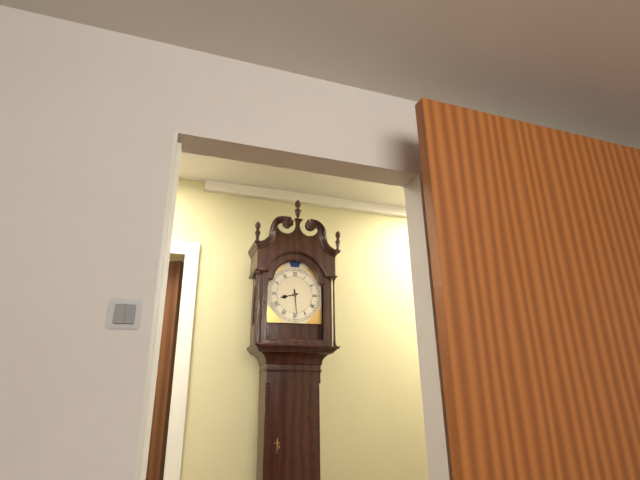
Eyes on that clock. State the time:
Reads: 8:29
